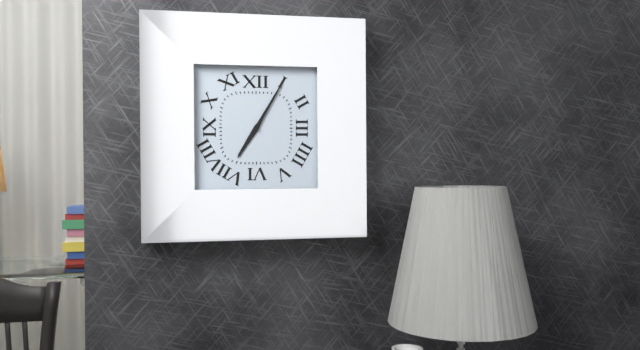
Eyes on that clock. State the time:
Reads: 7:05
